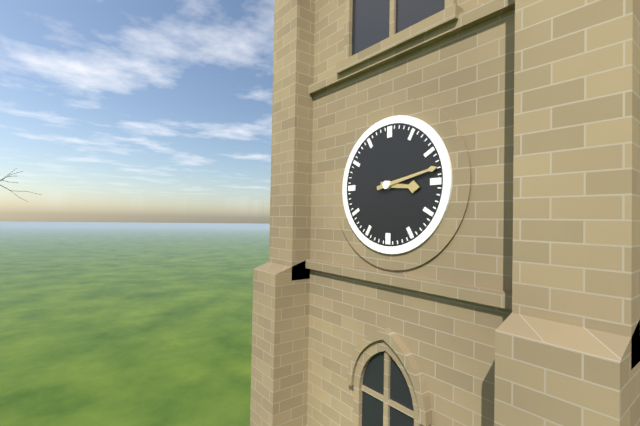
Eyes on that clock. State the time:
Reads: 3:13
